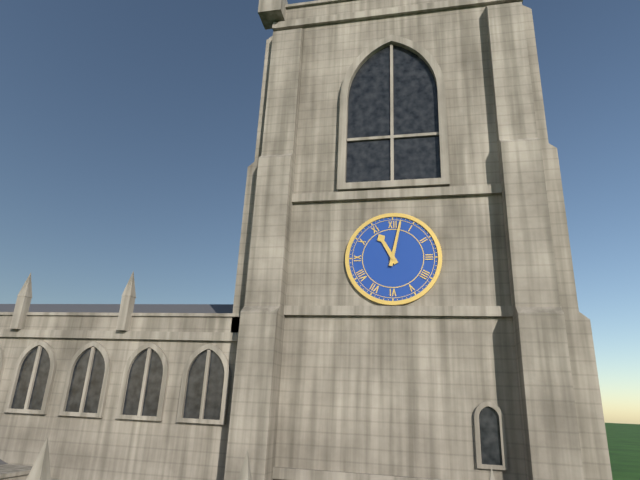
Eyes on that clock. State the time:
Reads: 11:02
